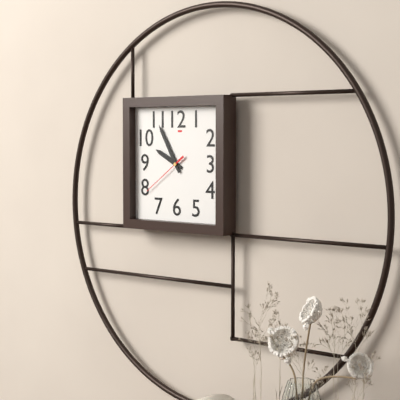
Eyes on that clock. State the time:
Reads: 9:55:39
